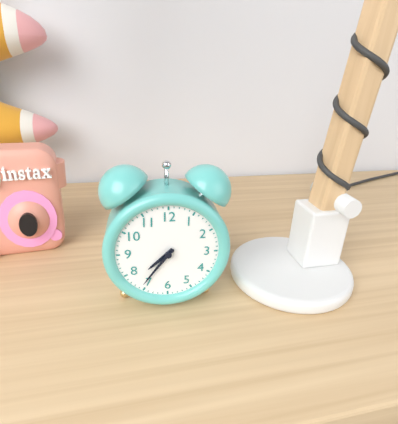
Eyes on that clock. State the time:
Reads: 7:36
